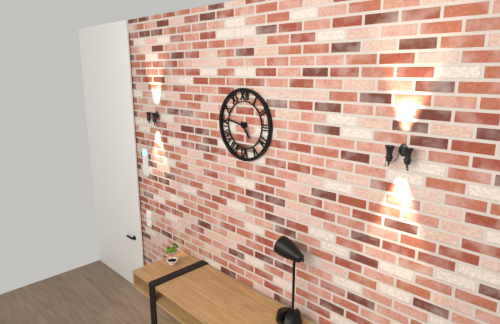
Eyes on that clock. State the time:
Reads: 4:47
